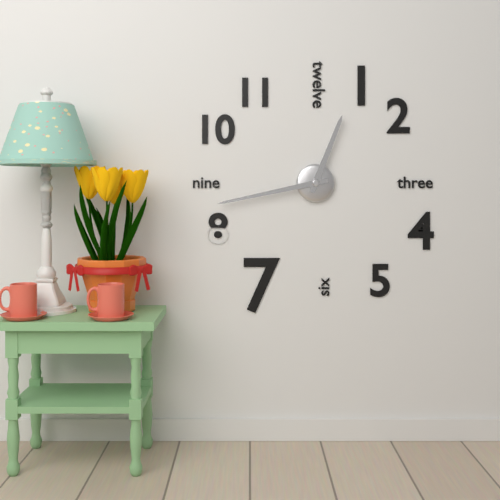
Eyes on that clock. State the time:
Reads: 12:43
